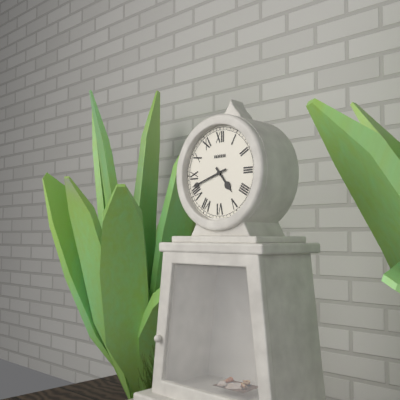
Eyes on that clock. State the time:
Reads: 4:42
